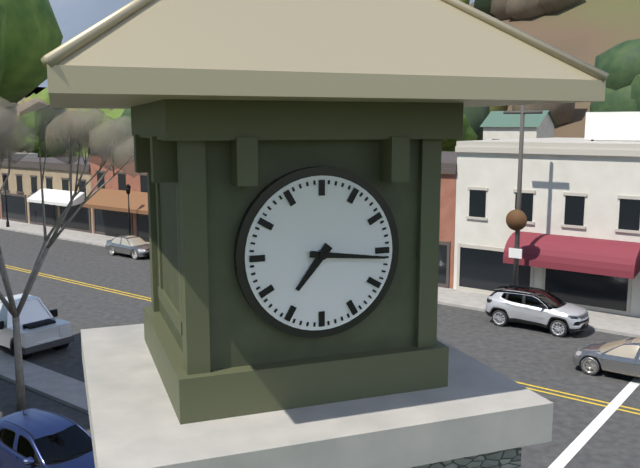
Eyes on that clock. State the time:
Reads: 7:16
